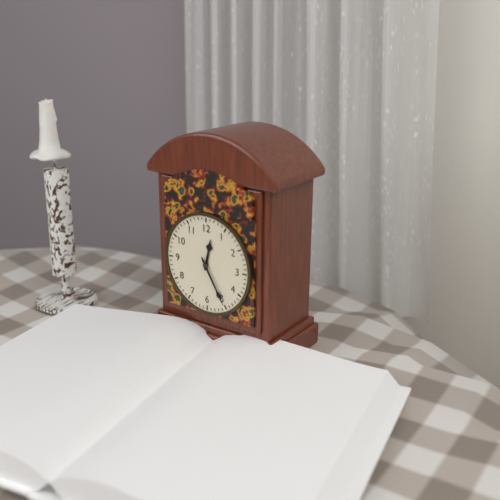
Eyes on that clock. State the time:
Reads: 12:25
